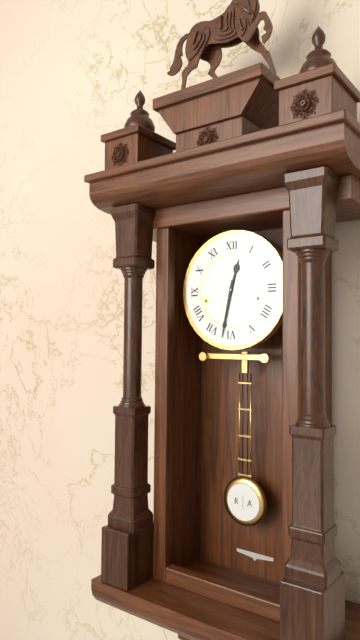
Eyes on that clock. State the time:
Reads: 12:32
